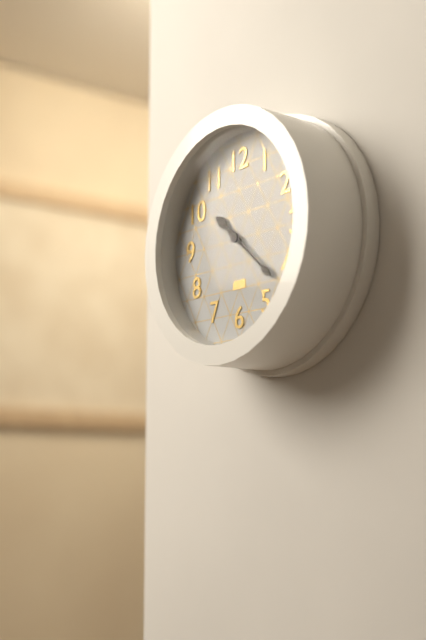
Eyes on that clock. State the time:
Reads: 10:22
